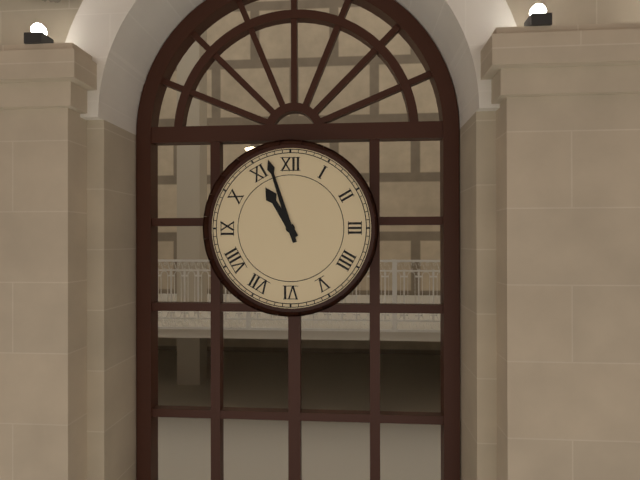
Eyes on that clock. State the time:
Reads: 10:57
